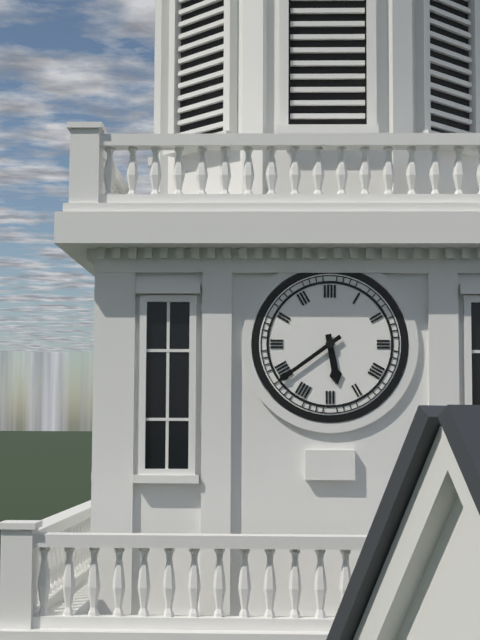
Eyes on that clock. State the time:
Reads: 5:39
